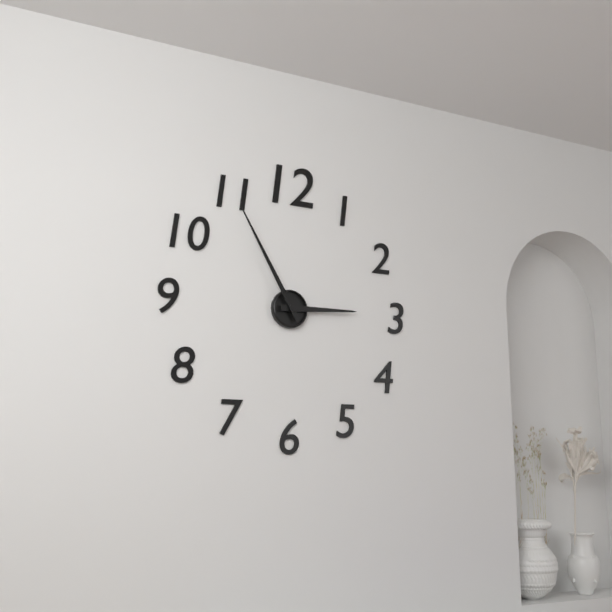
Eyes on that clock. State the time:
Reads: 2:55
